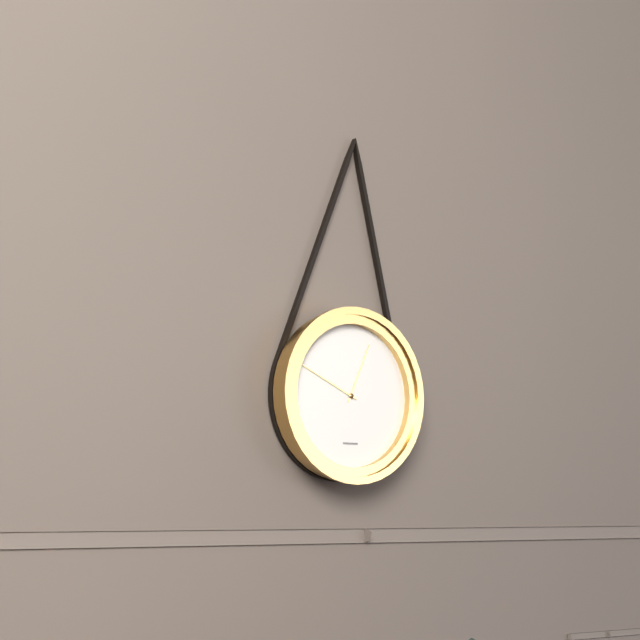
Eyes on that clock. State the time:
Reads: 12:49
